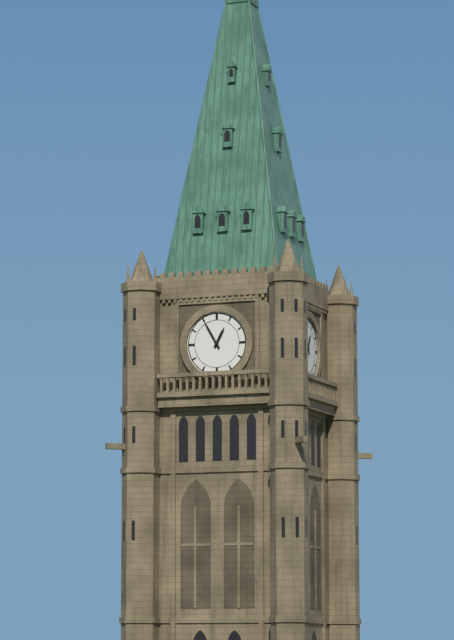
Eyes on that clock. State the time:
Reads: 12:55
